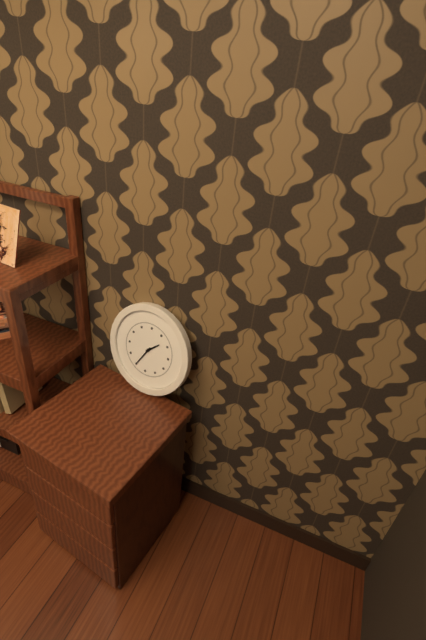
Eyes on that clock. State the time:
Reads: 1:35
